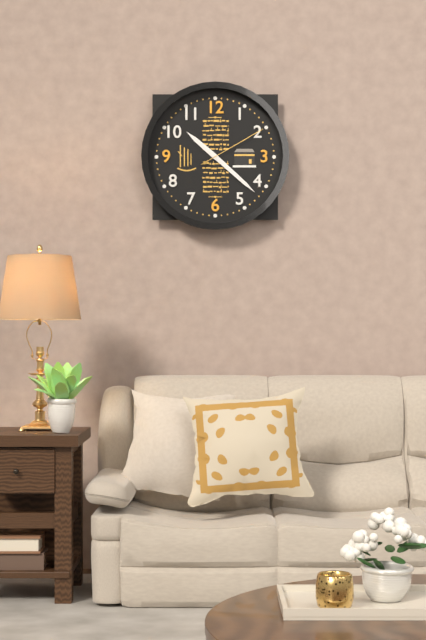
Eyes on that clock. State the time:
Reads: 10:22:10
